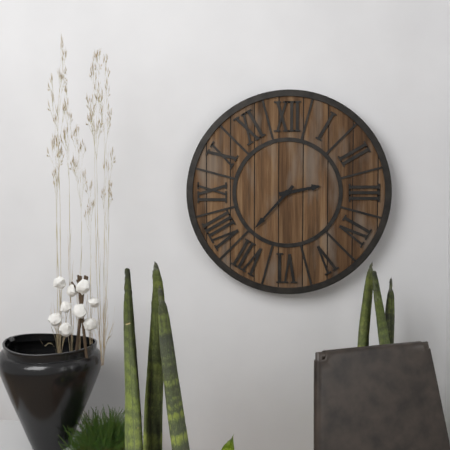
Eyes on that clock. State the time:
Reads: 2:37
